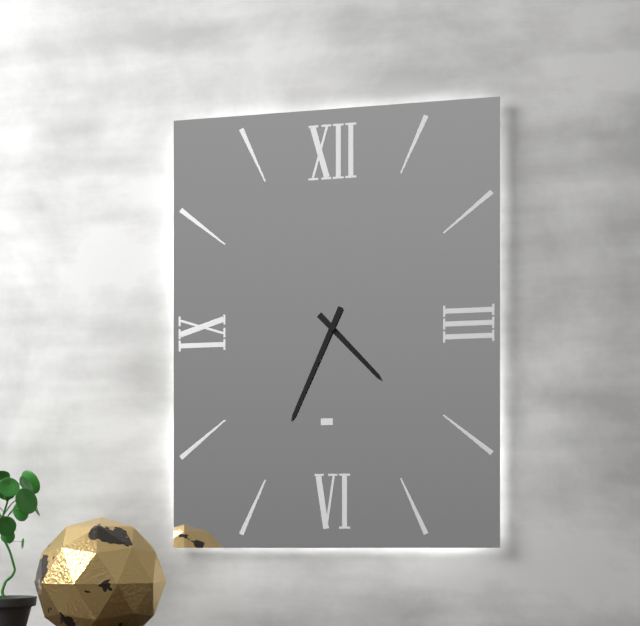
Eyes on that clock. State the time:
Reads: 4:34
